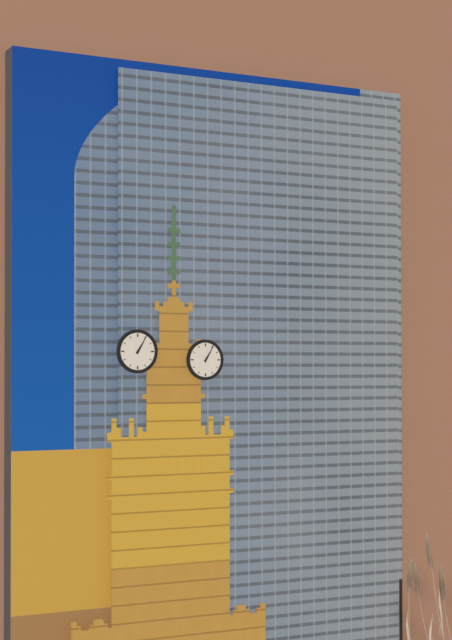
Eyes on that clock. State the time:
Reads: 1:05
